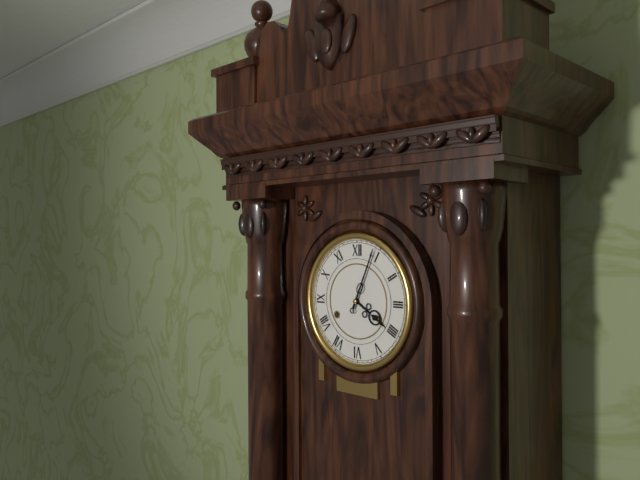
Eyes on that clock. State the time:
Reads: 4:04
